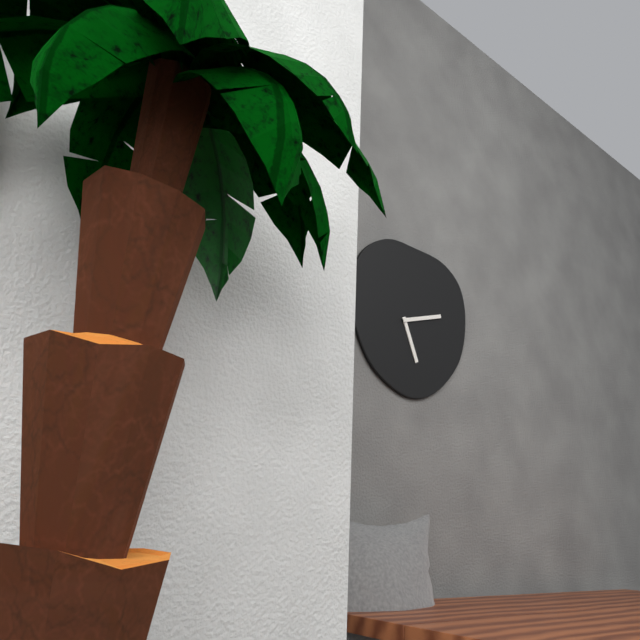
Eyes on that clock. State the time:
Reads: 5:12
